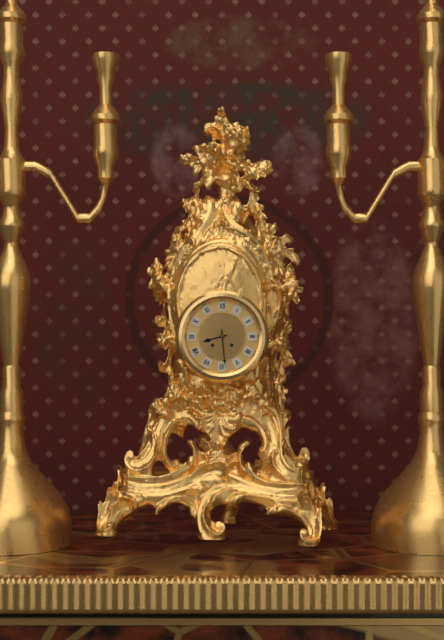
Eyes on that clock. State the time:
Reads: 8:29
